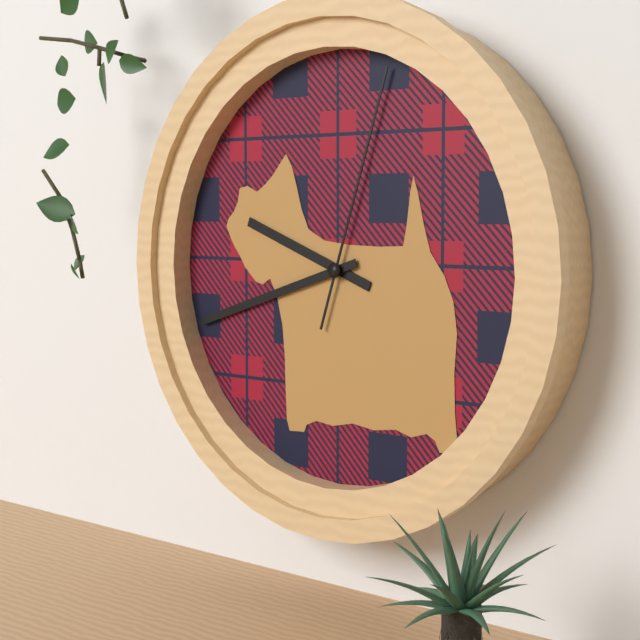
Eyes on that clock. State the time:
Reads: 9:42:03
